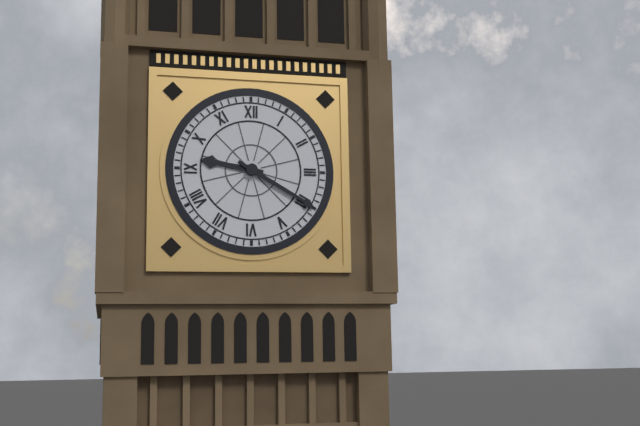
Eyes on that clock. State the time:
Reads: 9:20
